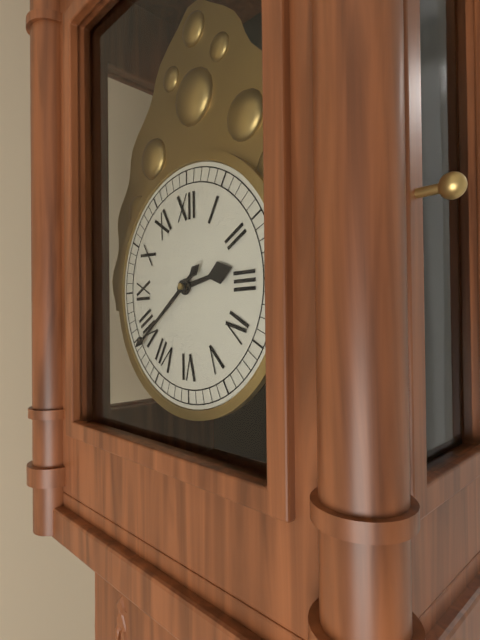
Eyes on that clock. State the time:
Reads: 2:39
